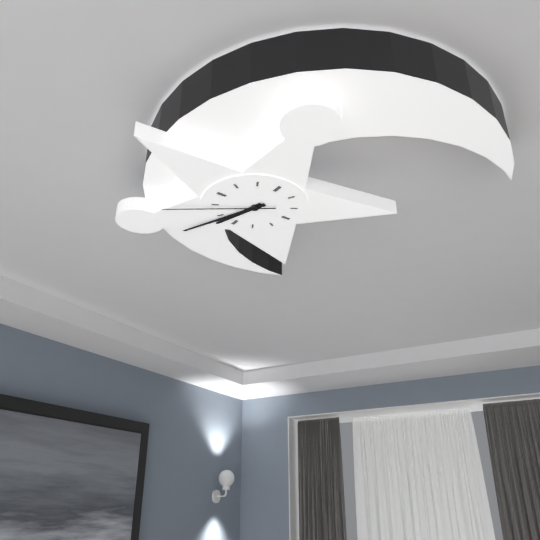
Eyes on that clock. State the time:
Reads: 6:34:39
